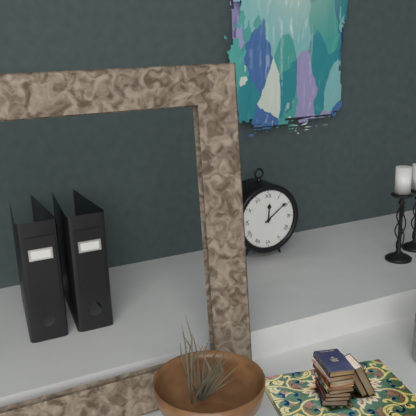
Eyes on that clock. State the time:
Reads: 12:09
